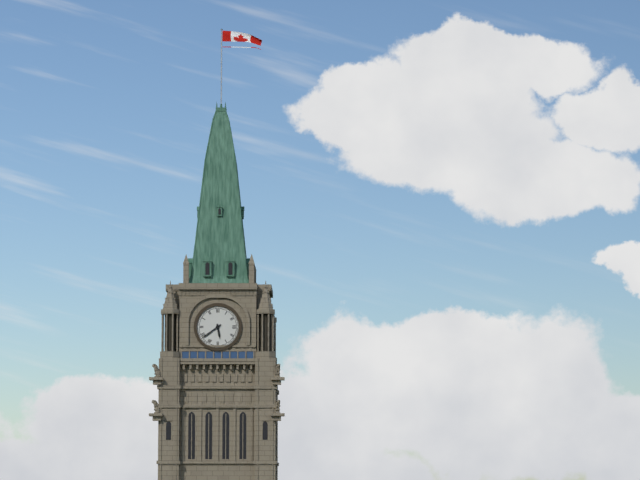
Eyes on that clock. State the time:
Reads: 5:39
